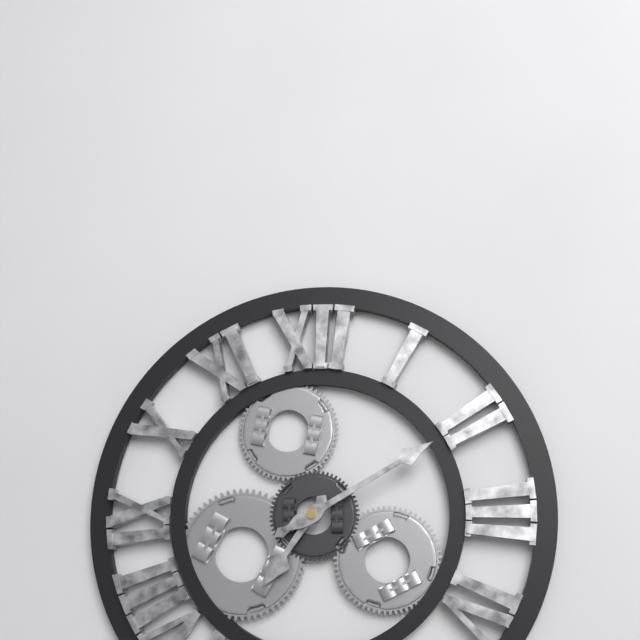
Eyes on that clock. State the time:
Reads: 7:10
